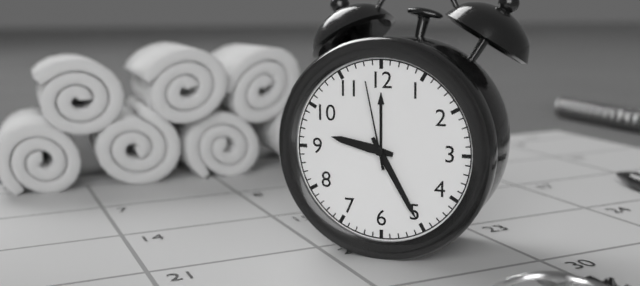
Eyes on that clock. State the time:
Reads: 9:25:58
